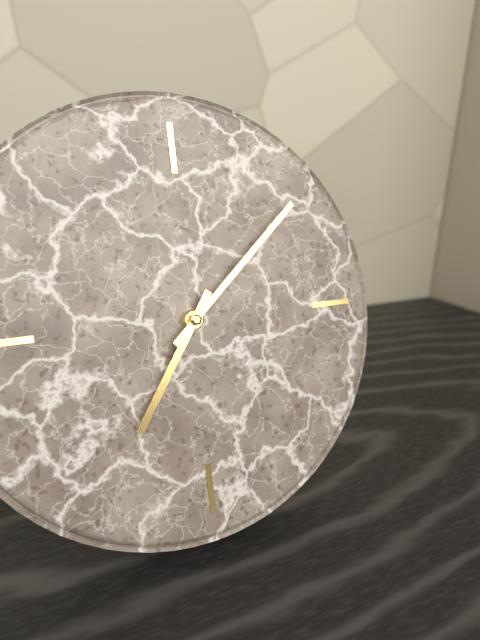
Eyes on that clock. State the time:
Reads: 7:08
